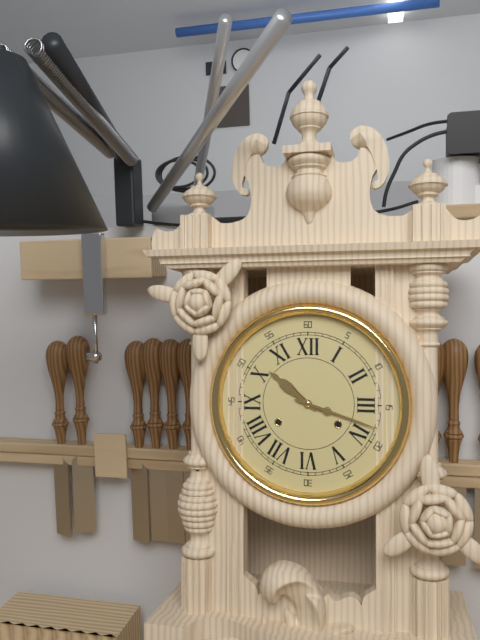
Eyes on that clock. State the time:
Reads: 10:18
